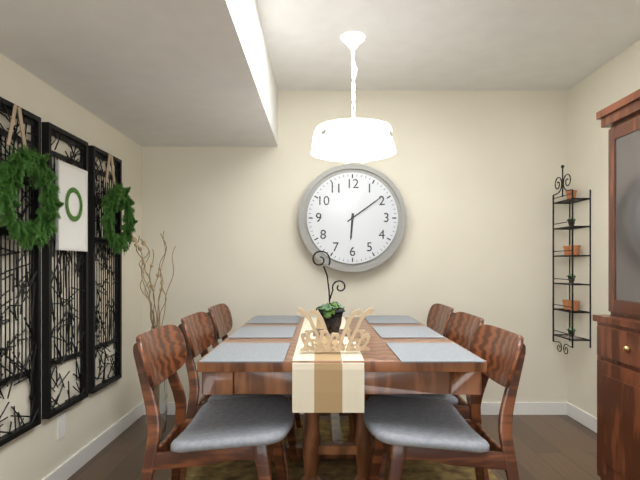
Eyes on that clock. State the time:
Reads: 6:09
